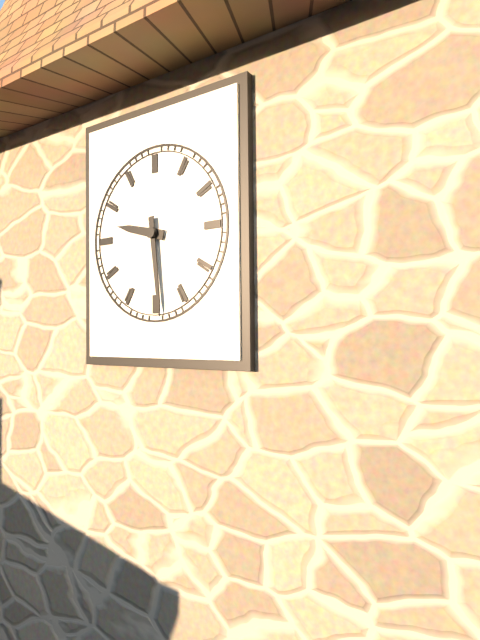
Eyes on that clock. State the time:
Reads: 9:29
